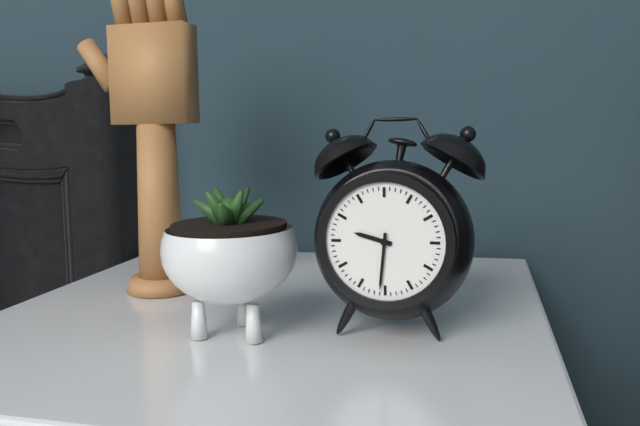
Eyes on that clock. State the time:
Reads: 9:31
